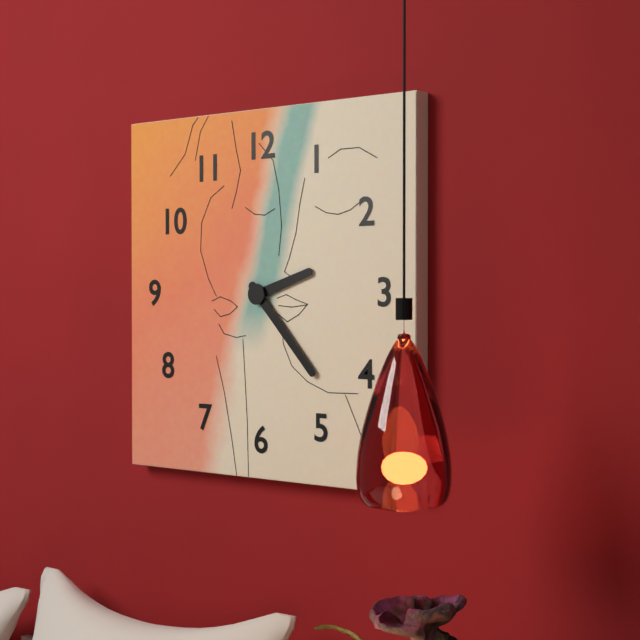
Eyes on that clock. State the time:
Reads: 2:23
